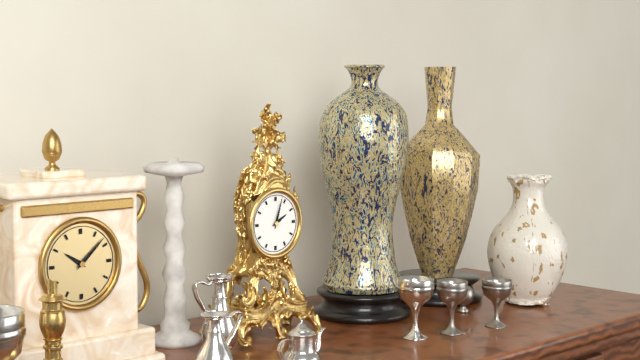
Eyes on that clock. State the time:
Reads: 2:03
